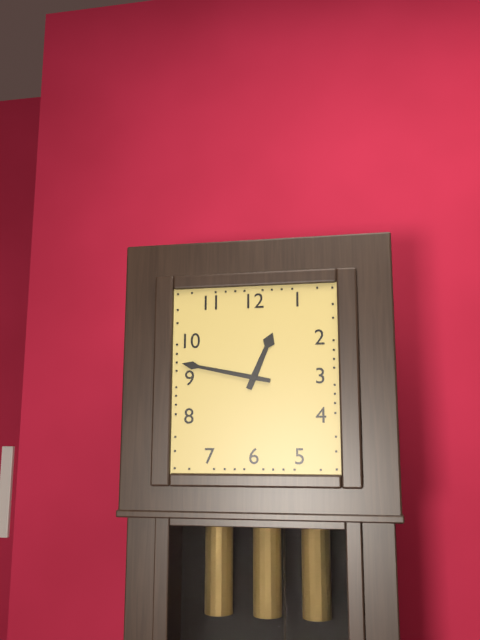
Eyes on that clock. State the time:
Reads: 12:47
